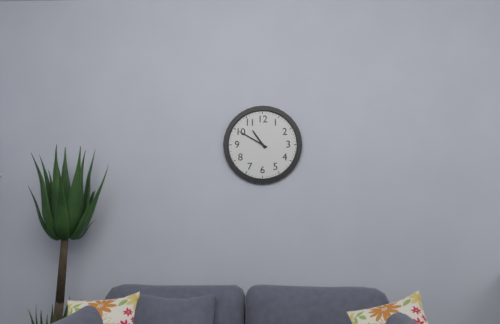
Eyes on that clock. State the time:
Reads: 10:50
